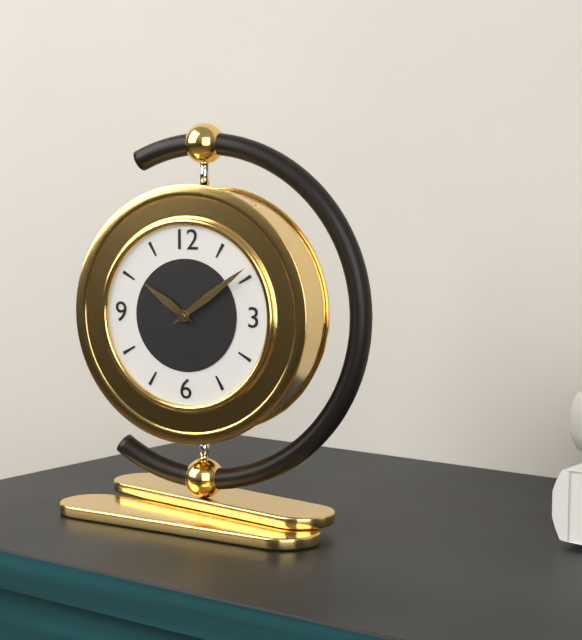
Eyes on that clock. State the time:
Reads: 10:09
